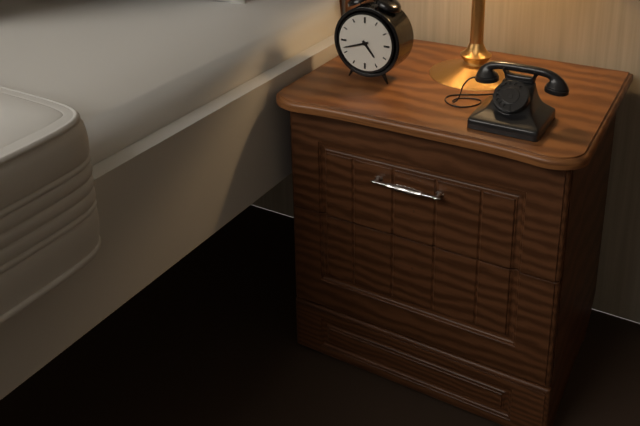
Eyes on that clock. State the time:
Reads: 4:42
